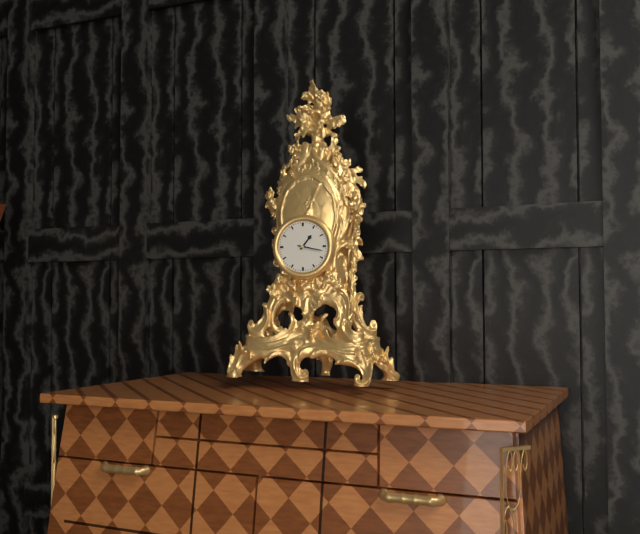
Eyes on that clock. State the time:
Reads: 1:17
